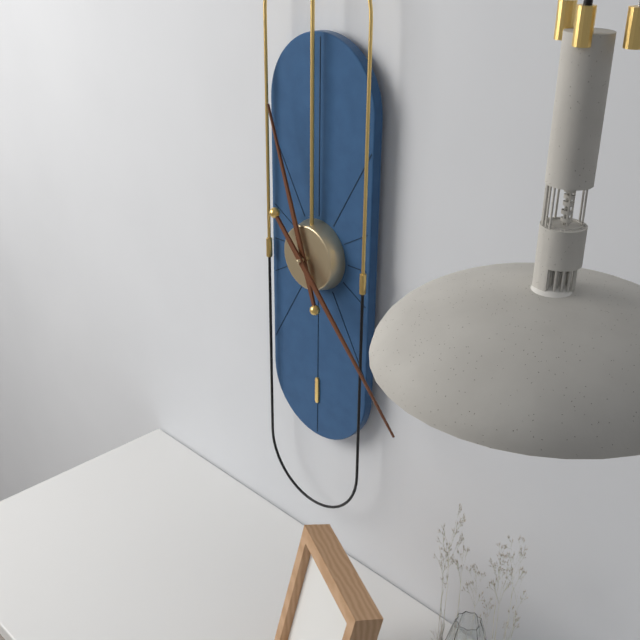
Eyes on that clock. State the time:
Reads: 11:23
